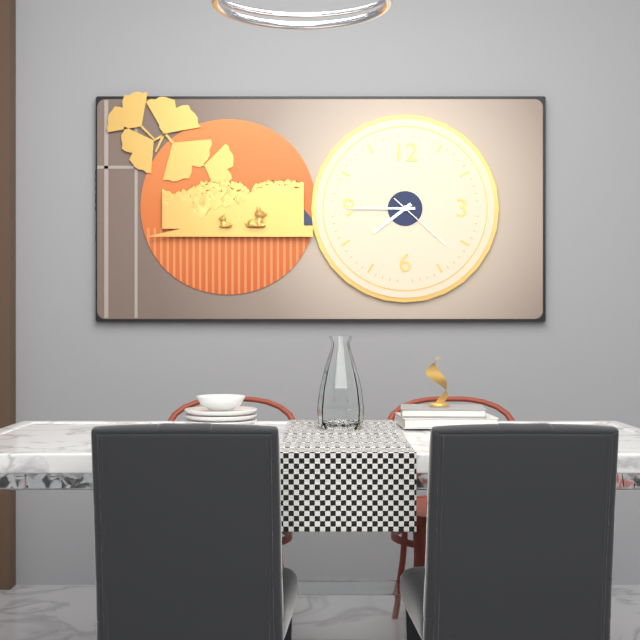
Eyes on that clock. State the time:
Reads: 7:45:22
